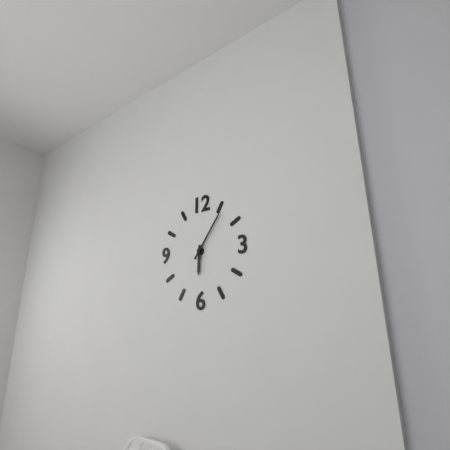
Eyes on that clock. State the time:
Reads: 6:06
